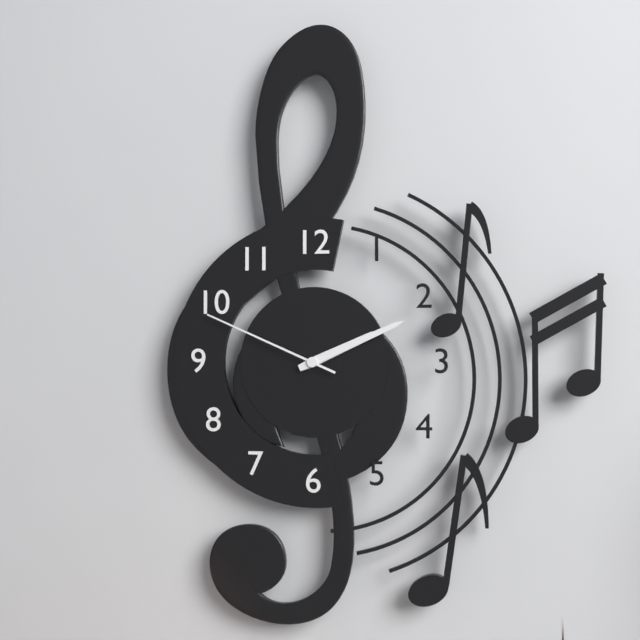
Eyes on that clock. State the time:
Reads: 2:11:49
